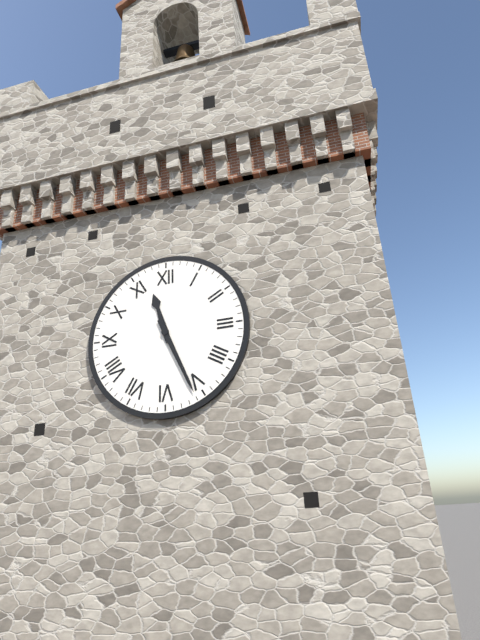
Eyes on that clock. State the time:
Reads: 11:26
